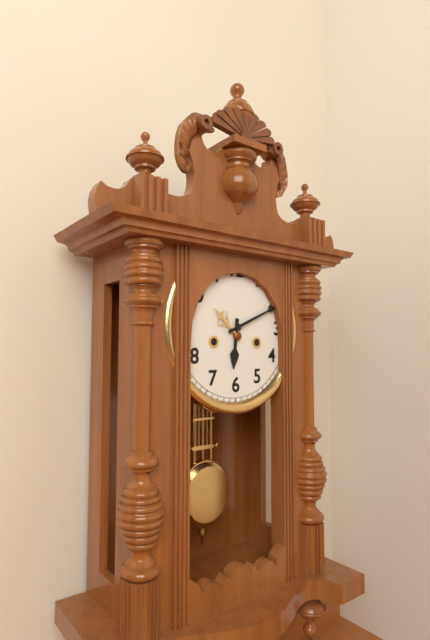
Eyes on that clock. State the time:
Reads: 6:11
